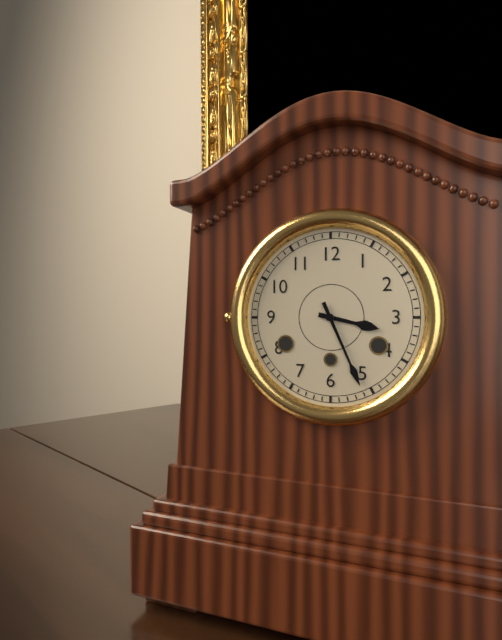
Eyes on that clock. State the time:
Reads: 3:26
